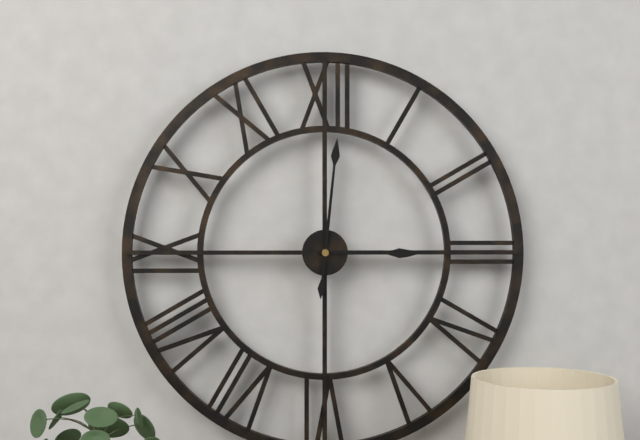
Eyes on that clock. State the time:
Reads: 3:01
